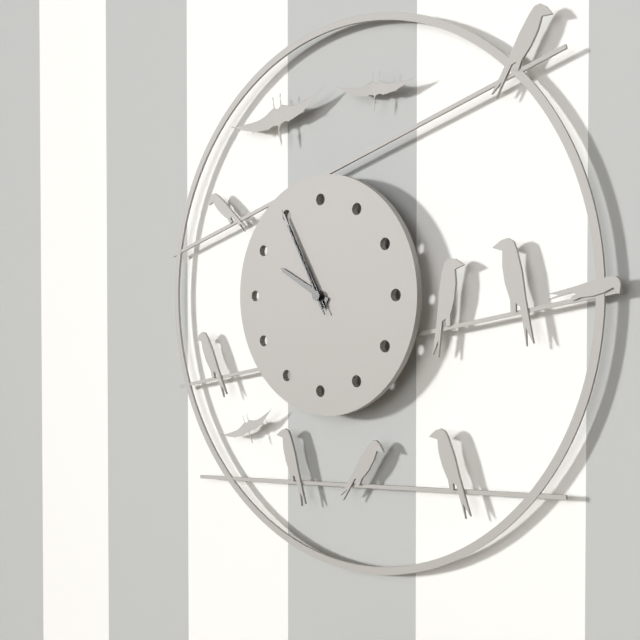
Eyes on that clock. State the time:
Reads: 9:55:55
